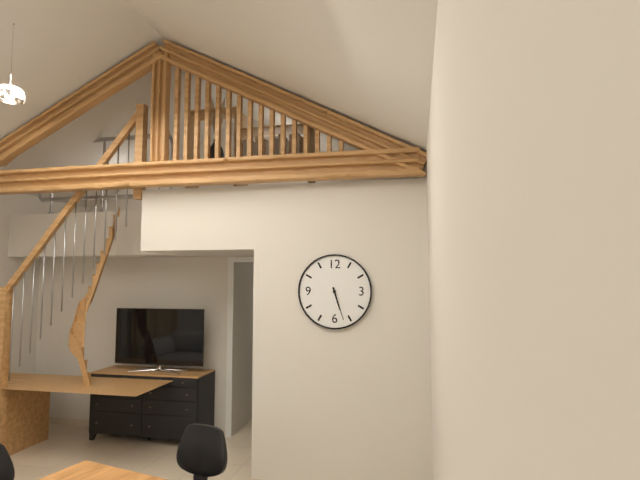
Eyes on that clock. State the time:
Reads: 5:27
